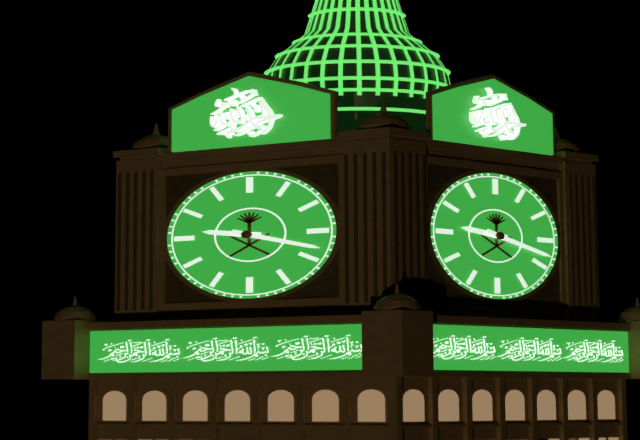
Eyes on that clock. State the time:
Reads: 9:18
